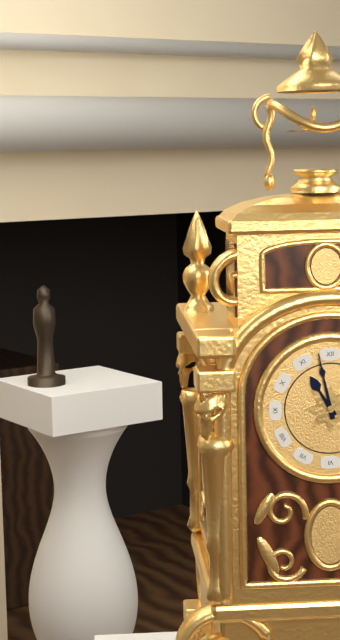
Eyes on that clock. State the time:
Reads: 10:58
